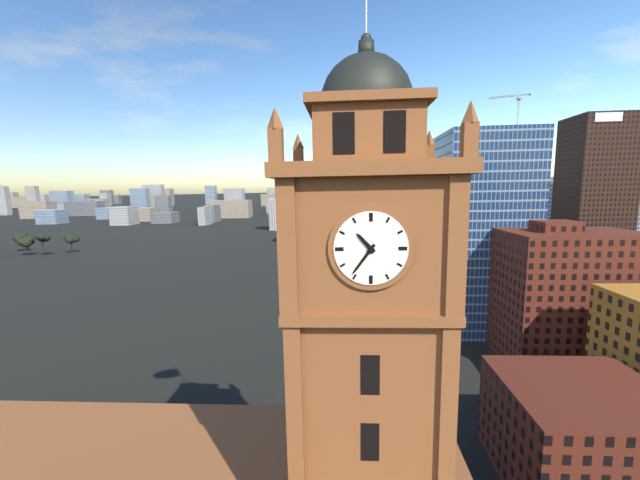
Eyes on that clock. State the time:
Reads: 10:36
